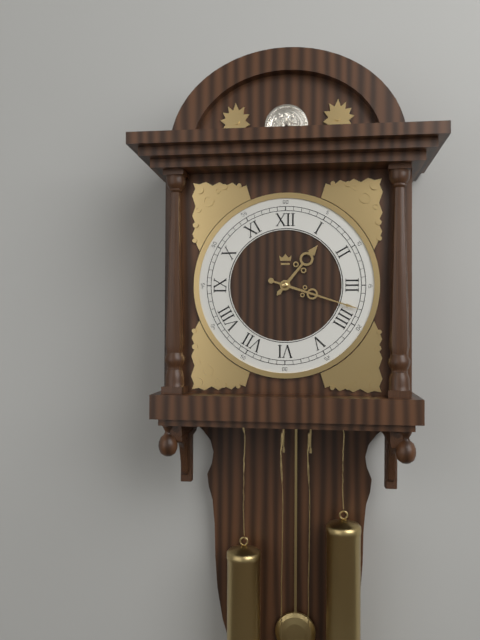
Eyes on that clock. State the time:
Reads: 1:18
